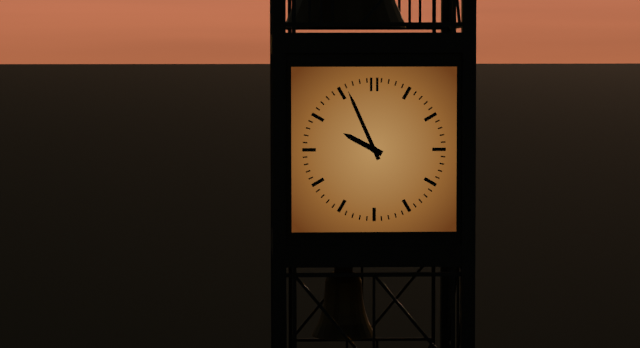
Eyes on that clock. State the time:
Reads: 9:56
